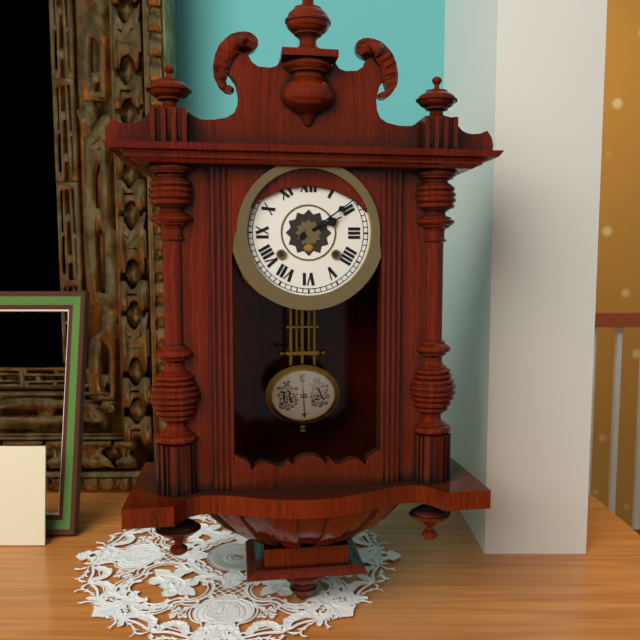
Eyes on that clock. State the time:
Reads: 2:09
